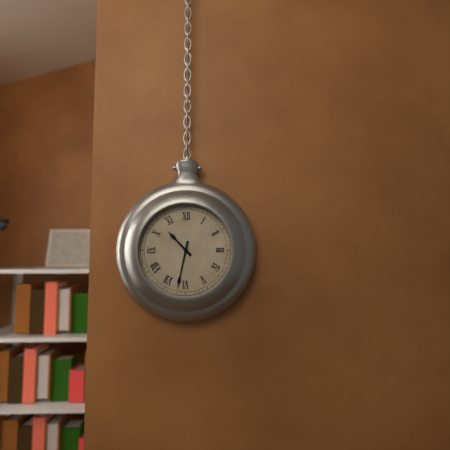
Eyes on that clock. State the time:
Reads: 10:32
